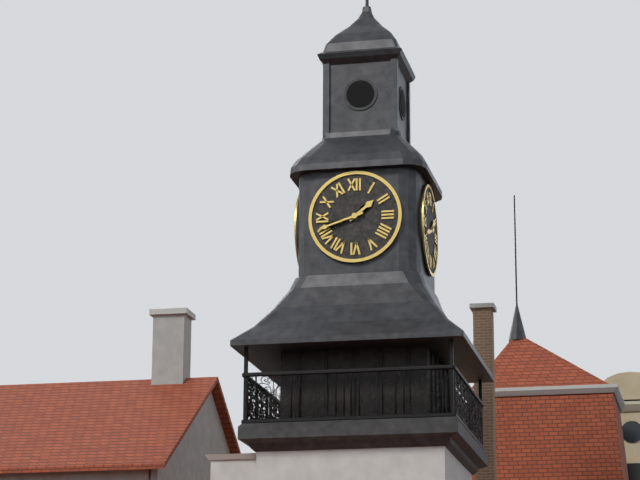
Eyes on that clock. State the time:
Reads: 1:42
